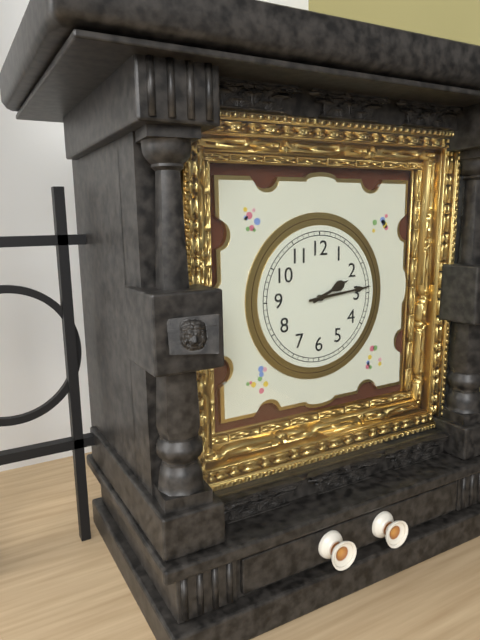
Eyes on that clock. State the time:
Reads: 2:14
